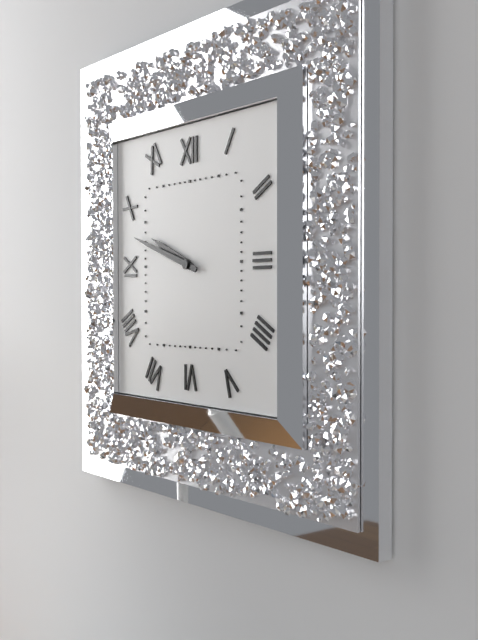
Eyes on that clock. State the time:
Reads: 9:48
